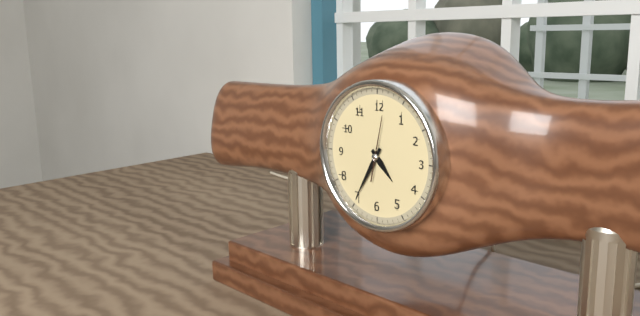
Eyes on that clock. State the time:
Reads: 4:35:02
